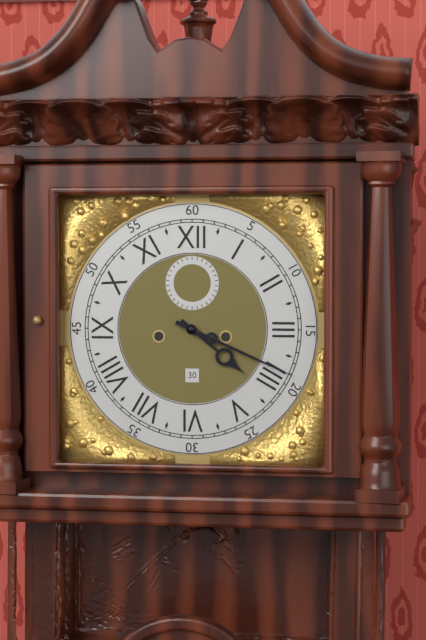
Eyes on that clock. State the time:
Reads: 4:19
